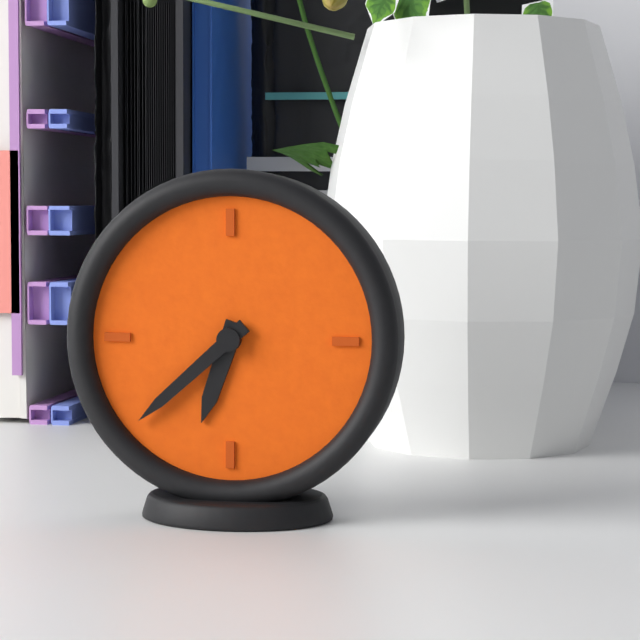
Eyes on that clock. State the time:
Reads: 6:38
